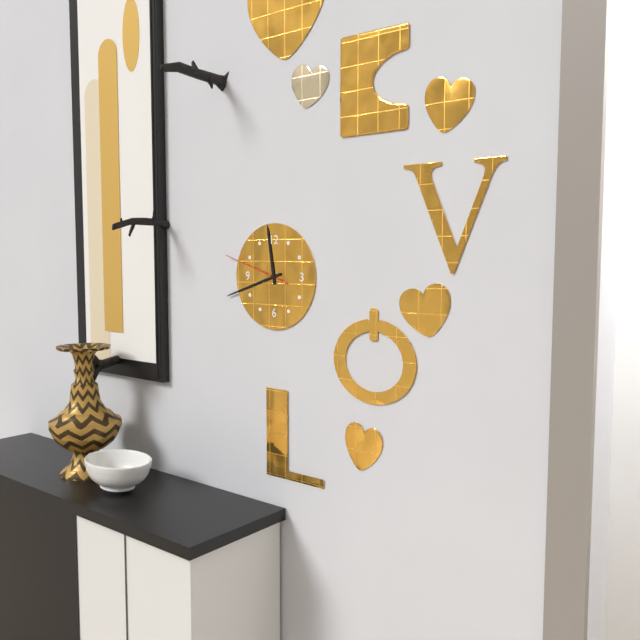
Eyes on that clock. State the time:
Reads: 11:42:48
